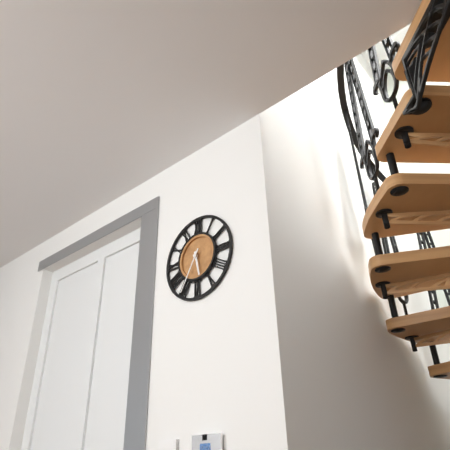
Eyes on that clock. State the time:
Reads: 5:35
